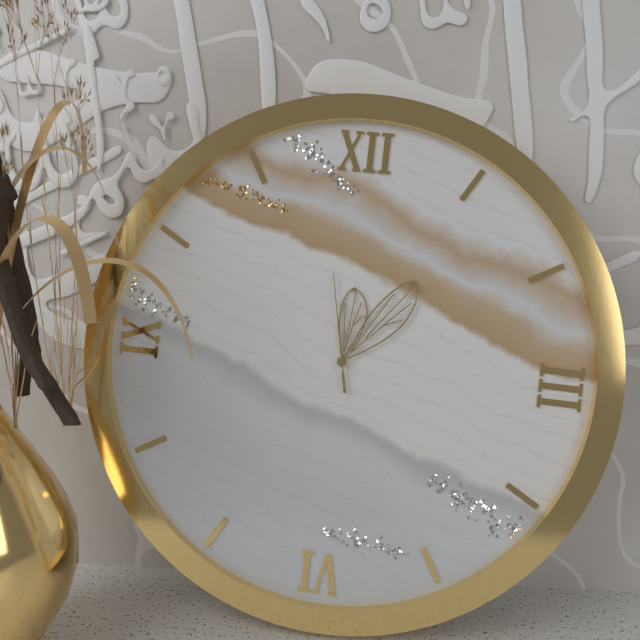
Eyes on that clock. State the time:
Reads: 12:06:58
